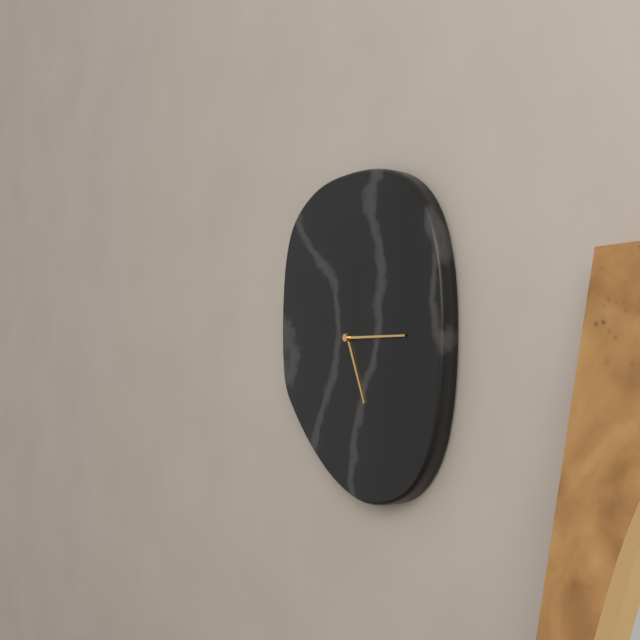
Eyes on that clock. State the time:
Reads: 5:15
